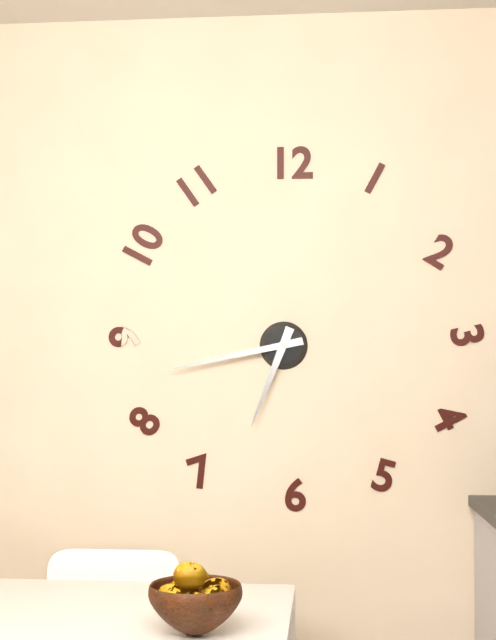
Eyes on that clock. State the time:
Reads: 6:43
